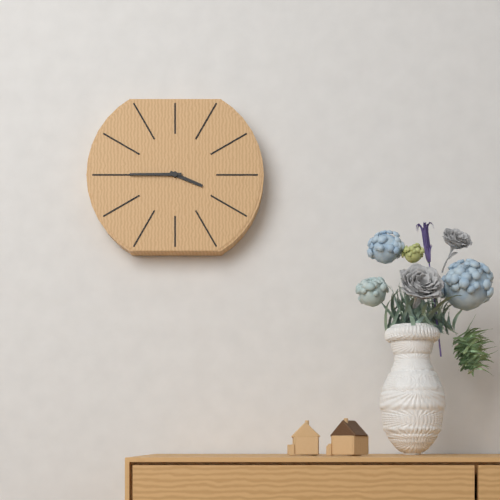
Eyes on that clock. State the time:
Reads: 3:45
